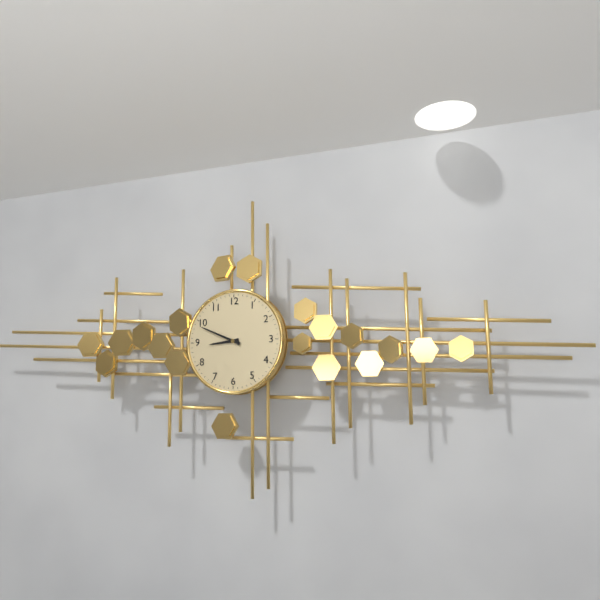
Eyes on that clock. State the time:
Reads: 8:49
